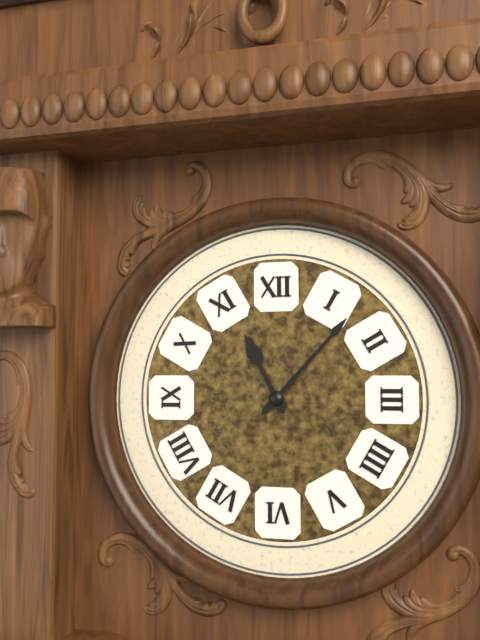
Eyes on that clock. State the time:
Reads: 11:07
